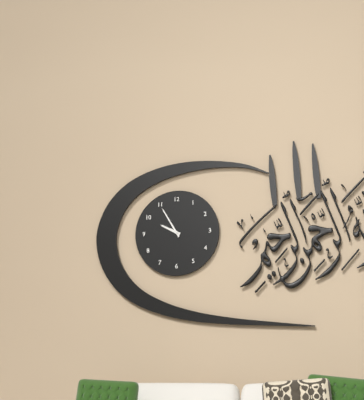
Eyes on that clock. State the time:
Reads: 9:55
